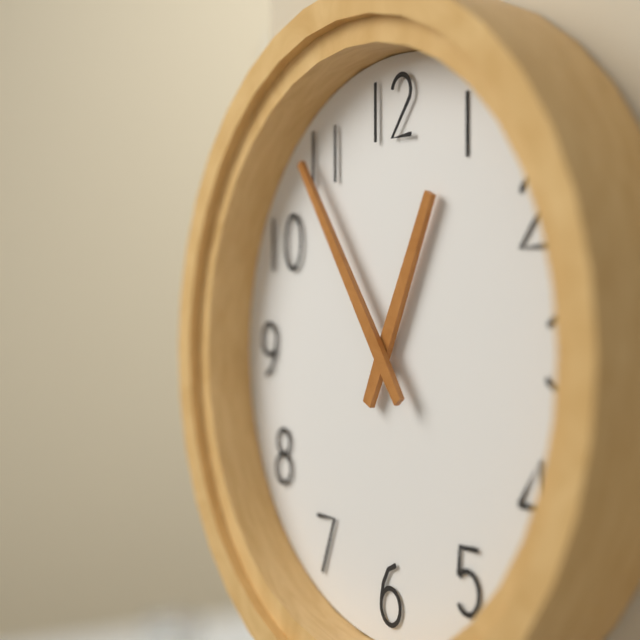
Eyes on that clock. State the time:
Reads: 12:54
